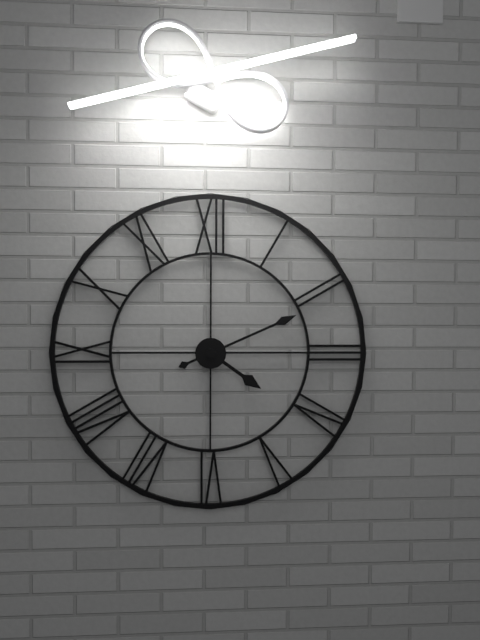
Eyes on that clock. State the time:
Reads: 4:11
